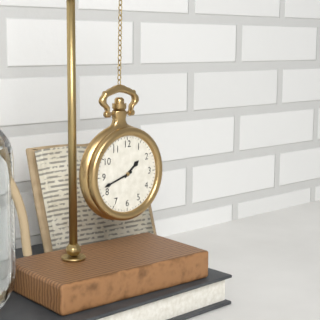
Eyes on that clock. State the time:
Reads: 1:42
